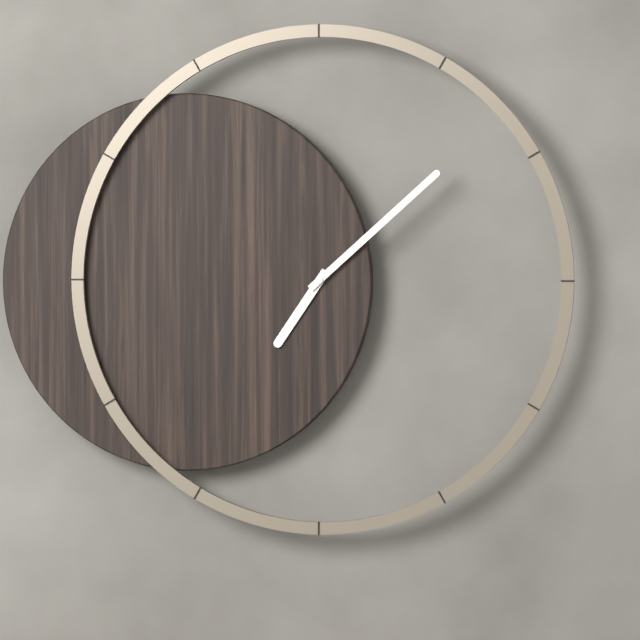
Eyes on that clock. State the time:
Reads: 7:08
